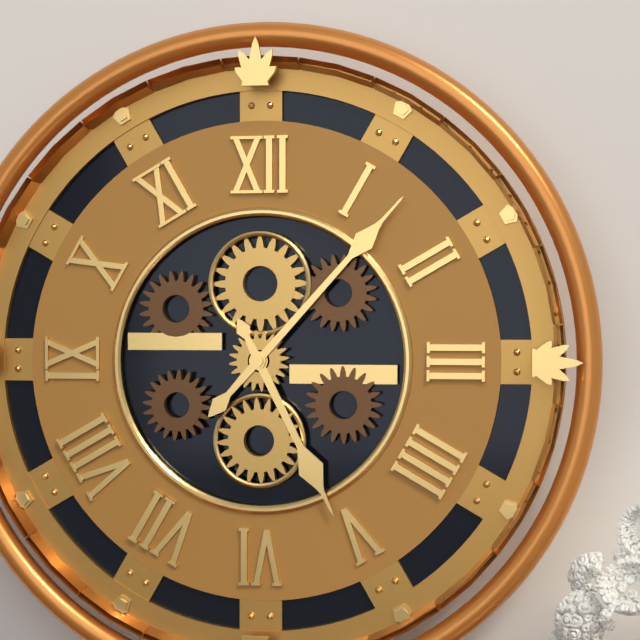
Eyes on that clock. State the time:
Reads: 5:07
